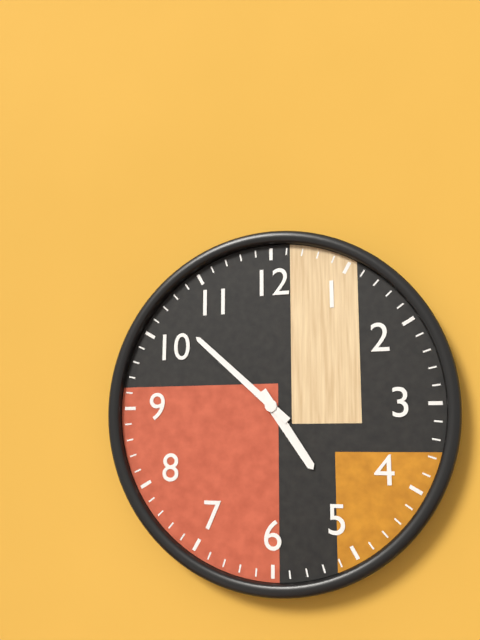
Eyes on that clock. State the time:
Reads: 4:52
